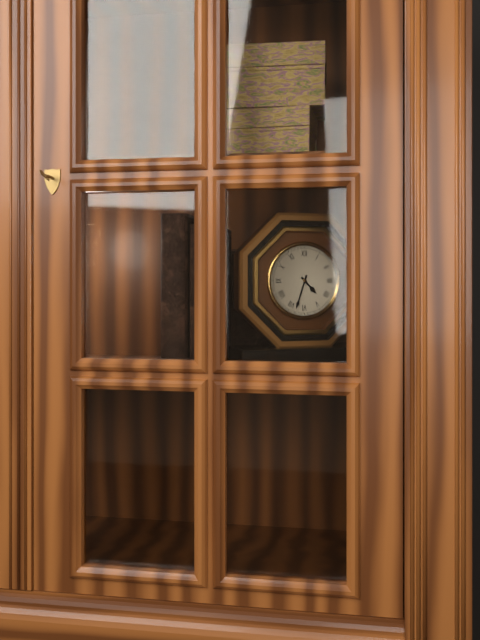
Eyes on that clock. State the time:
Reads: 4:33
